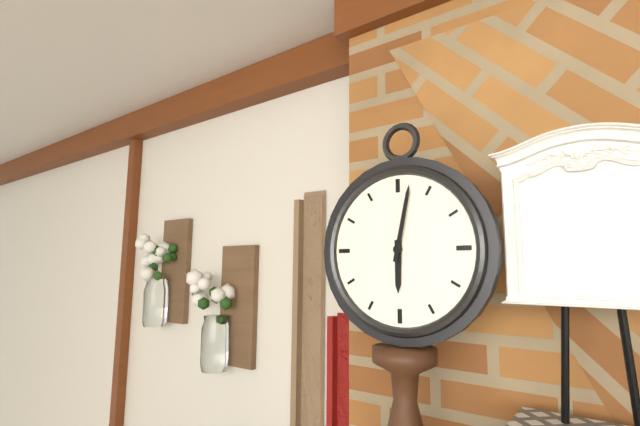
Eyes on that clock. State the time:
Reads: 6:02
